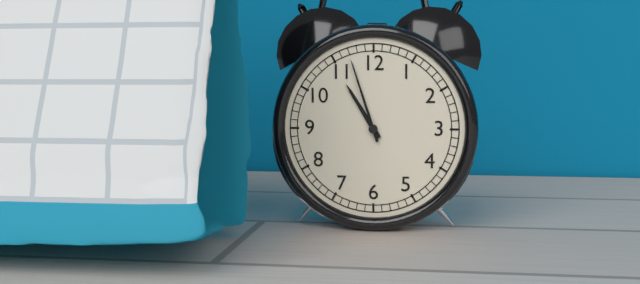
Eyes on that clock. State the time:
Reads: 10:57
